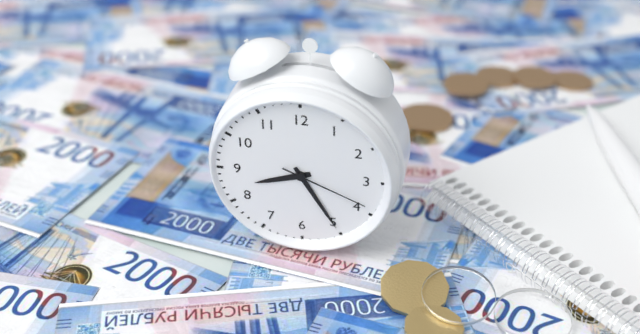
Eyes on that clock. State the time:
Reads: 8:25:19
